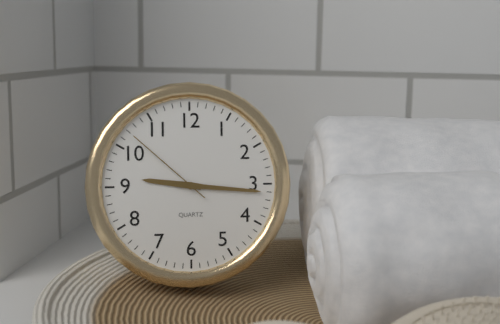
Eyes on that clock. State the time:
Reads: 9:16:52
